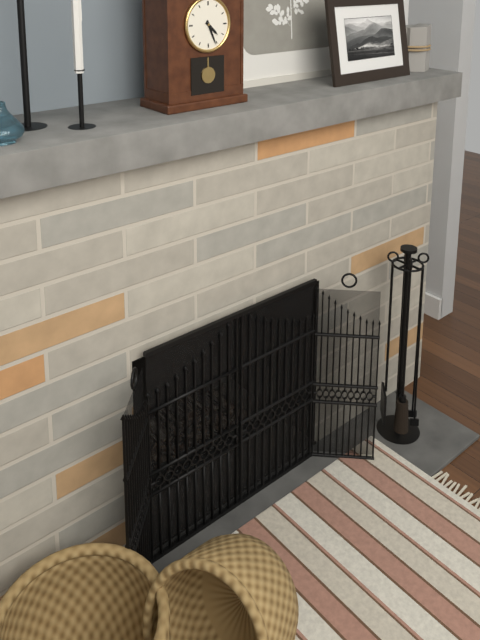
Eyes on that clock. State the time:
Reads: 4:26
